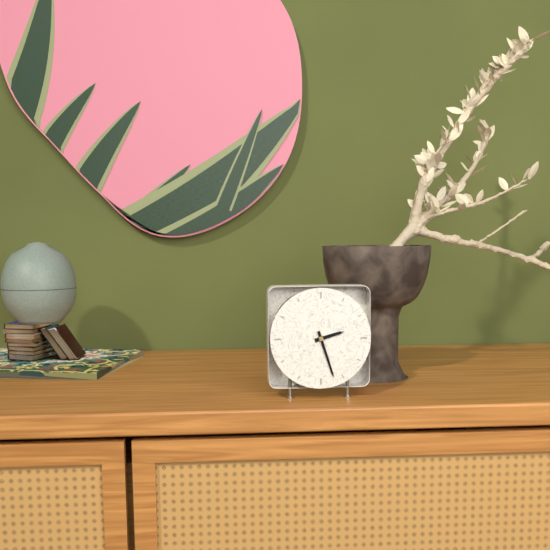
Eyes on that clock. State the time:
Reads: 2:27
